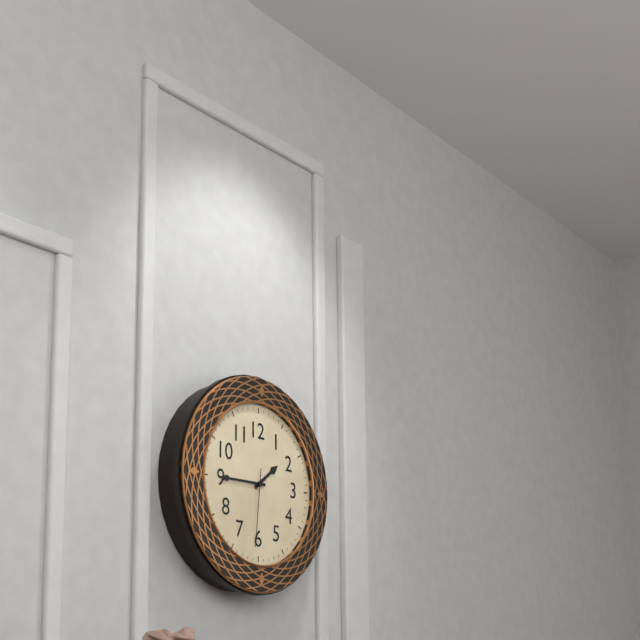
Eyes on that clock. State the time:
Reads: 1:45:31
